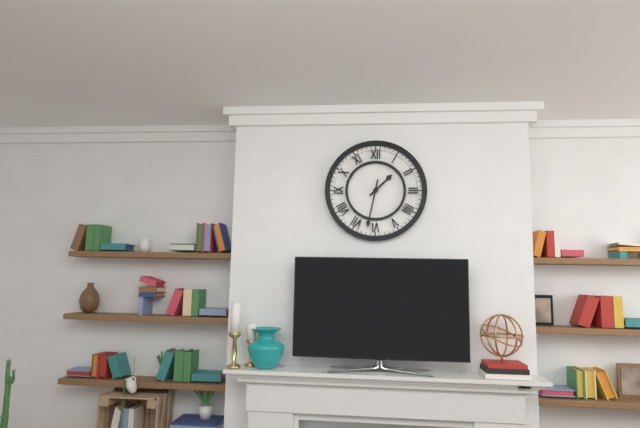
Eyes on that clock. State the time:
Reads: 1:32
